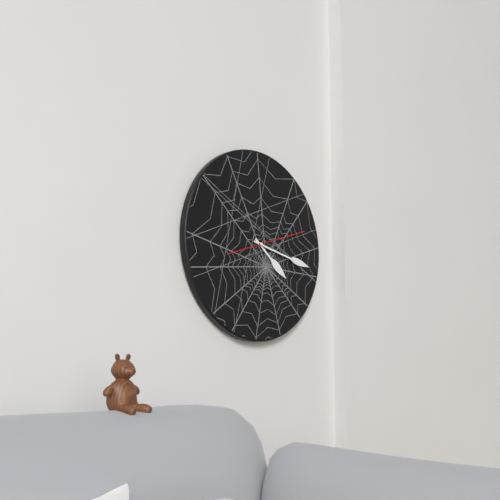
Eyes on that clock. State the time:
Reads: 4:17:12
